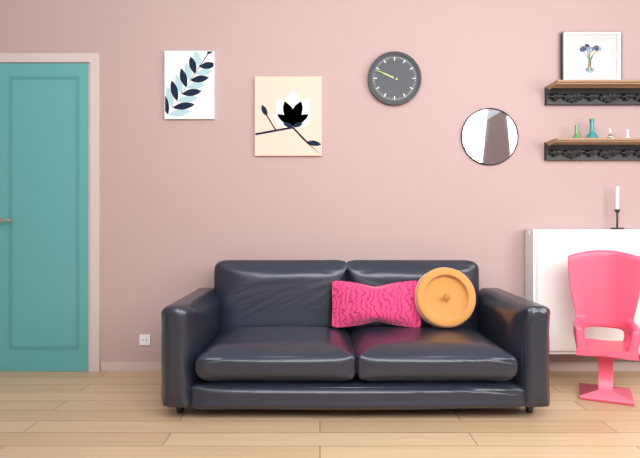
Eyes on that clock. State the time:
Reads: 9:49
